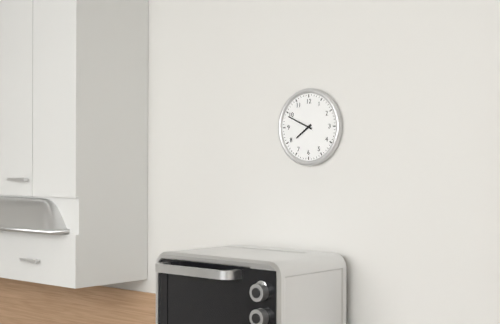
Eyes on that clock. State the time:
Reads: 7:49
